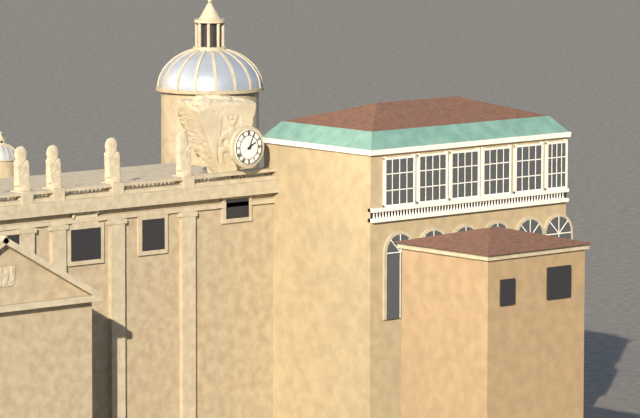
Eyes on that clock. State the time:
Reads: 2:04
